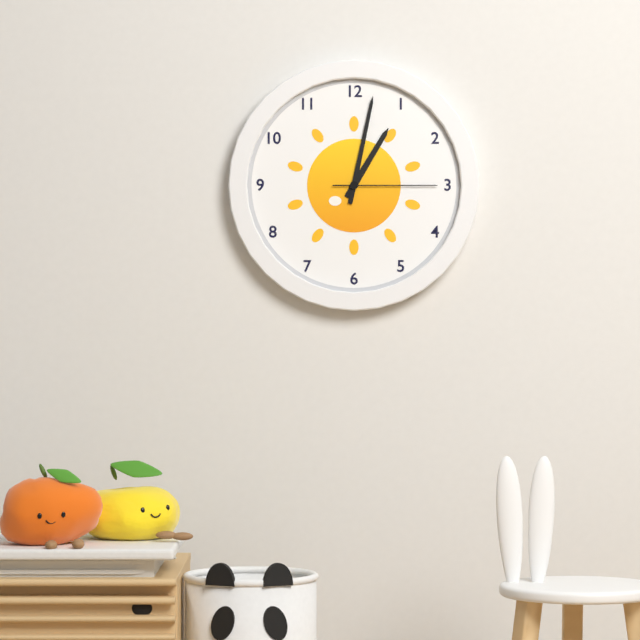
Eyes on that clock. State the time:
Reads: 1:02:15
